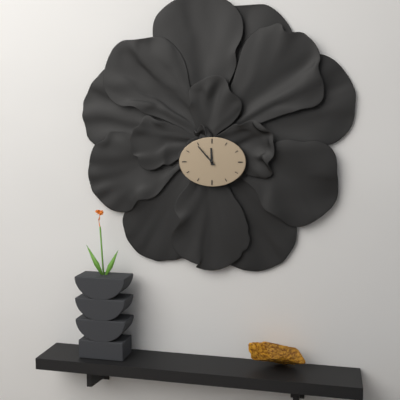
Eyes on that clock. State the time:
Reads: 11:53
